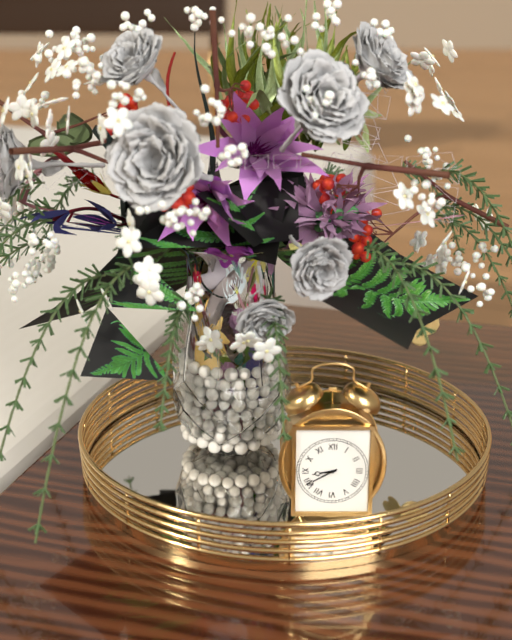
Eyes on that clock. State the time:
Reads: 8:40
